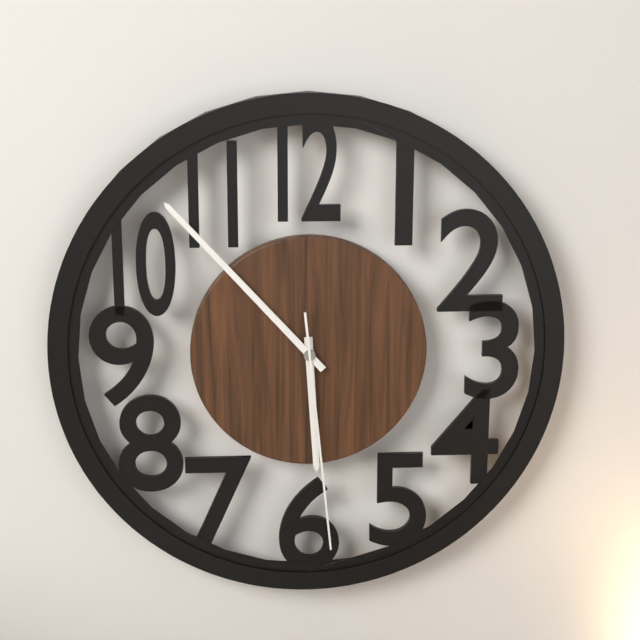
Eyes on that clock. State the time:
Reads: 5:53:29
